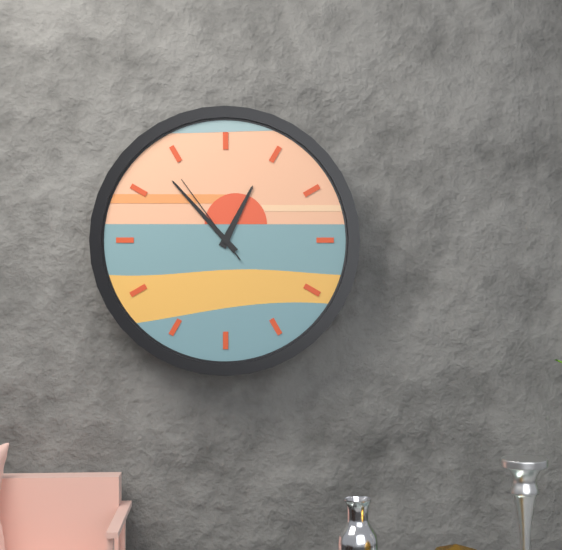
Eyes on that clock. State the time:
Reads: 12:53:54
